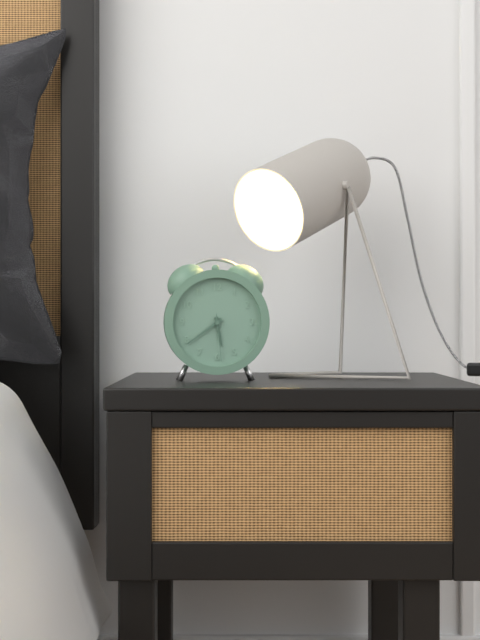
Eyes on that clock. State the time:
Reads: 5:39
